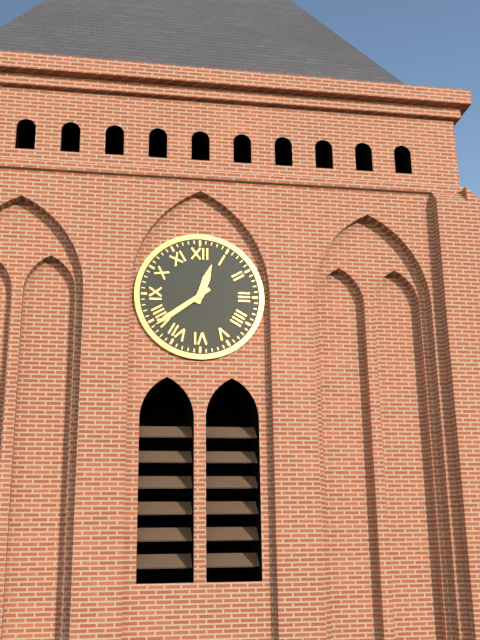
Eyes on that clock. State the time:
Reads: 12:39
